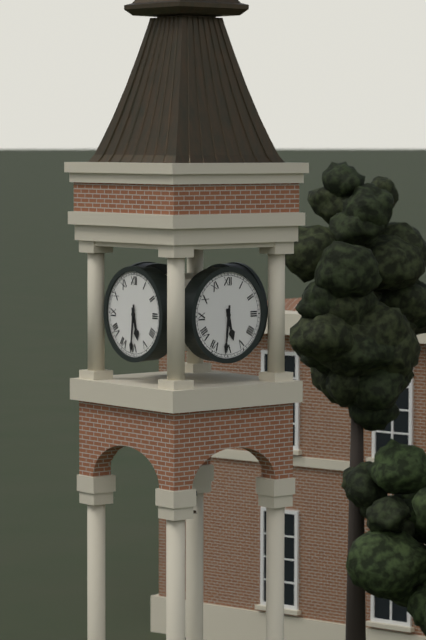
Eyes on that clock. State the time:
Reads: 5:31
